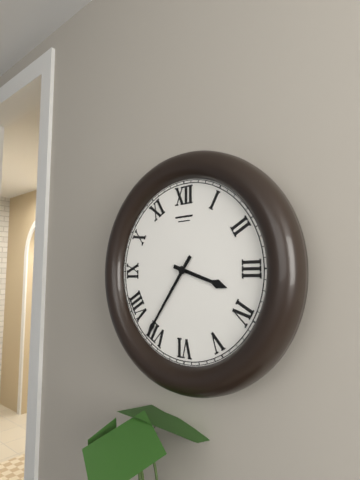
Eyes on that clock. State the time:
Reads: 3:36
